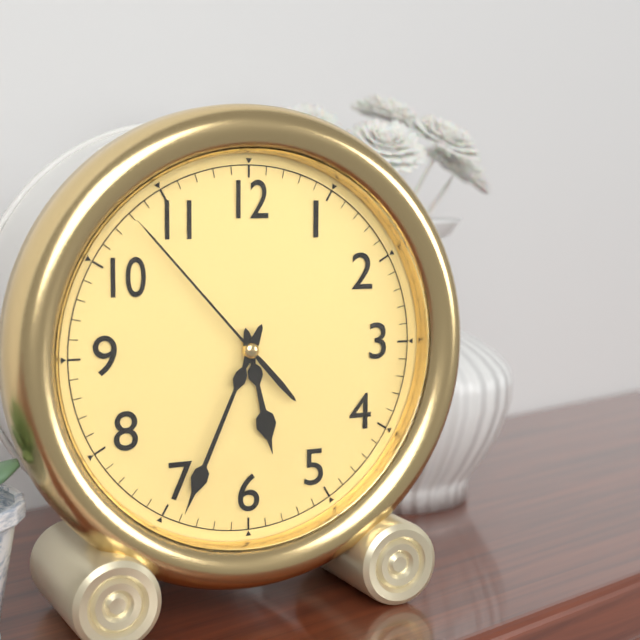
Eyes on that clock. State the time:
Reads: 5:34:53
